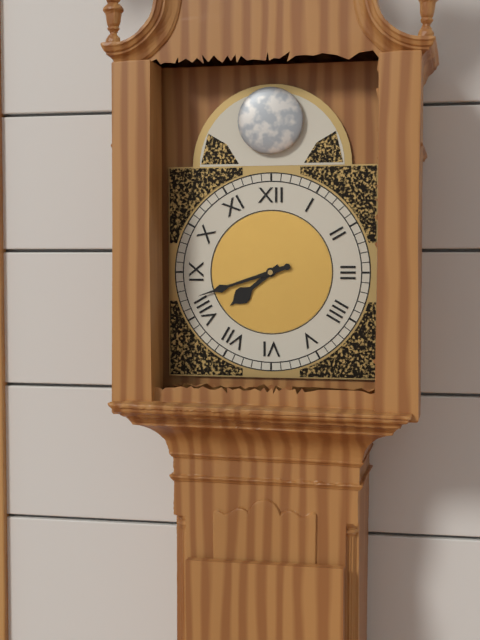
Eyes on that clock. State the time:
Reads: 7:42
